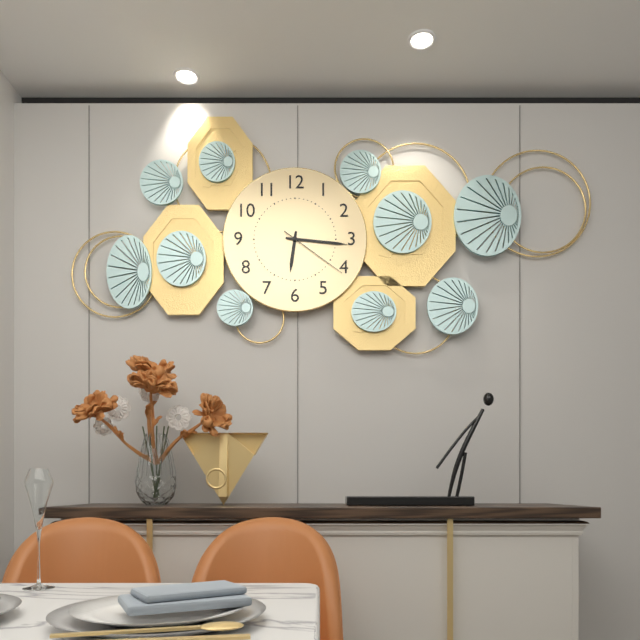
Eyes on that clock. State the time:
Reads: 6:16:21
